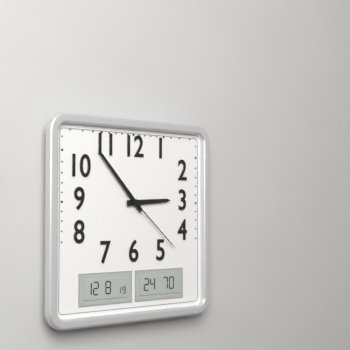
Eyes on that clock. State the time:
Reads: 2:53:22
